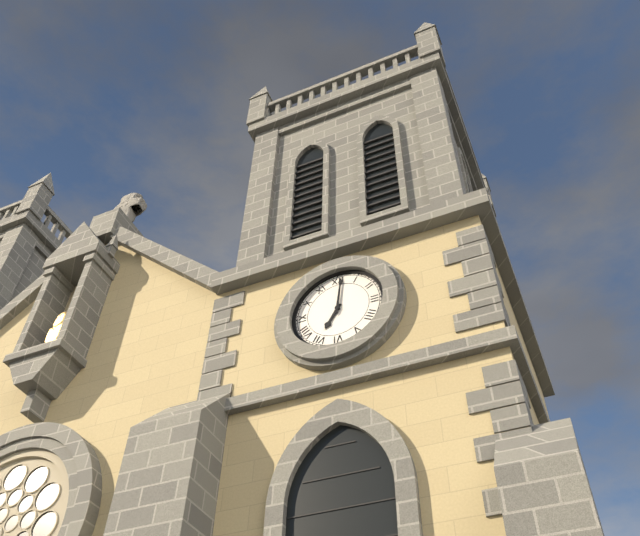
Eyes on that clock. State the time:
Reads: 7:01
